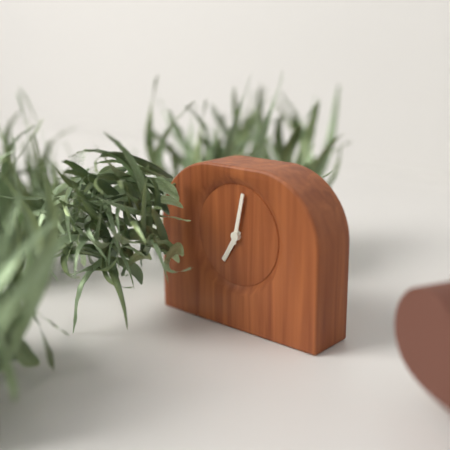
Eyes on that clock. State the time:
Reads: 7:02
